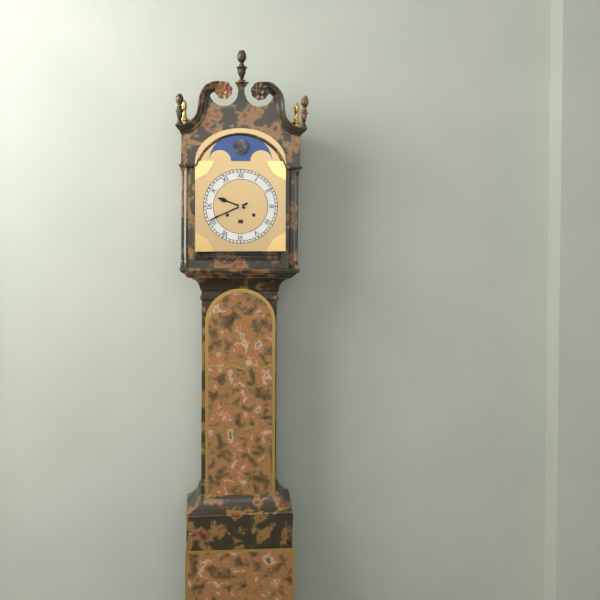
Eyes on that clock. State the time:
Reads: 9:41
